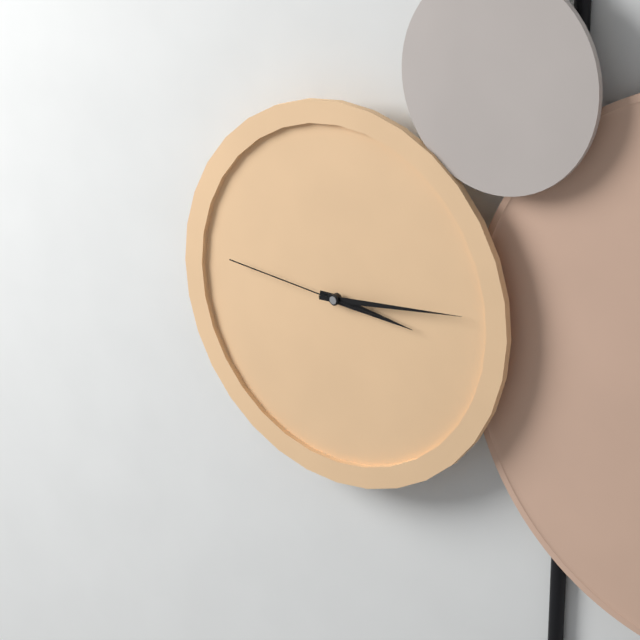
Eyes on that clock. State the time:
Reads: 3:14:46
